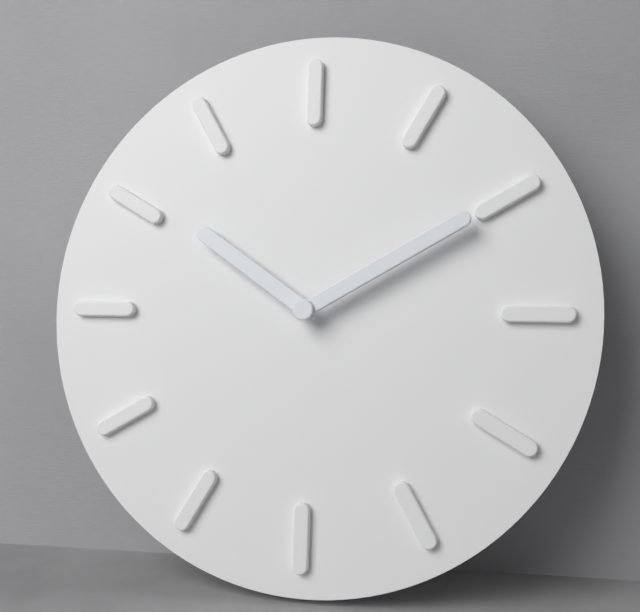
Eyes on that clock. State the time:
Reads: 10:10
